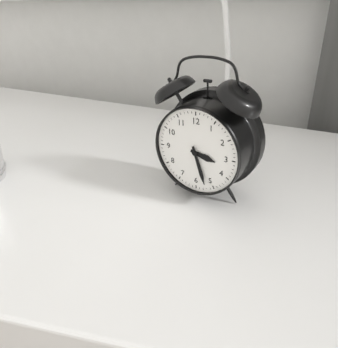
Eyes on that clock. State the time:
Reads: 3:27
